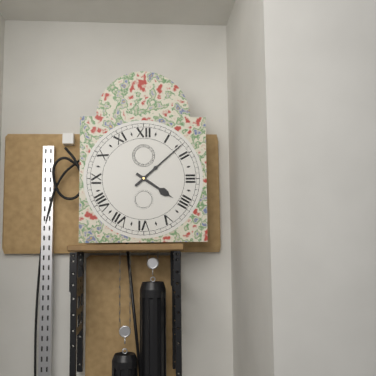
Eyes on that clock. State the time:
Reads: 4:08
